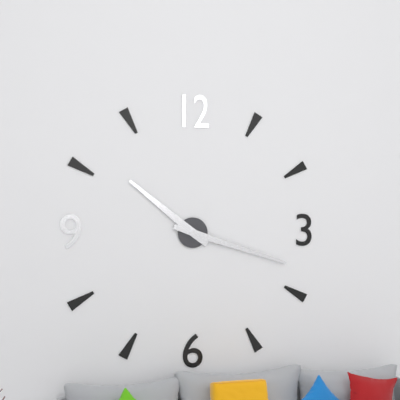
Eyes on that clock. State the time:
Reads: 10:18
